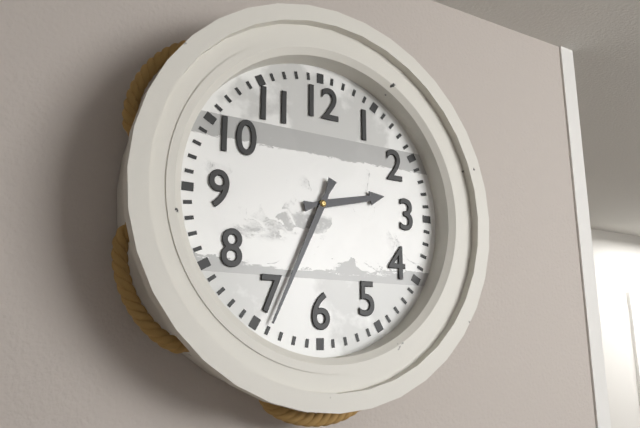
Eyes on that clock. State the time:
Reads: 2:34
